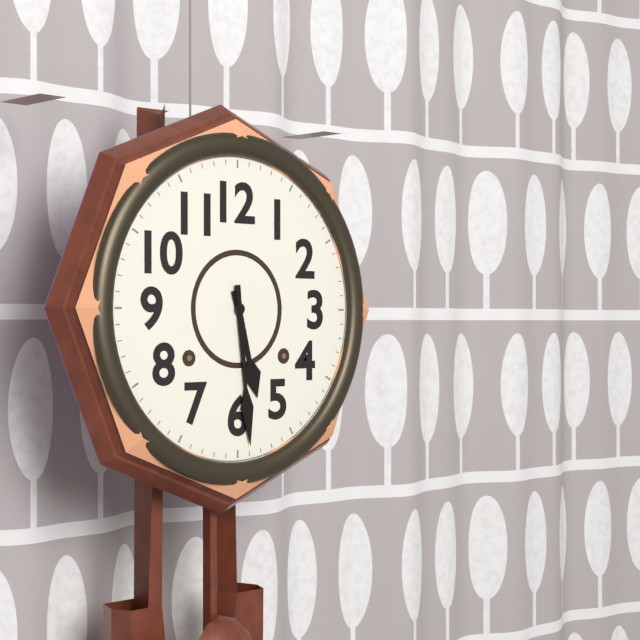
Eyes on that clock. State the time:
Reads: 5:29
